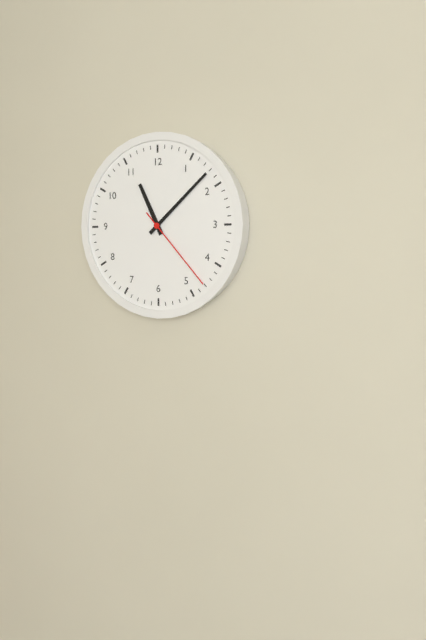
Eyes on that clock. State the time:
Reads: 11:08:23
